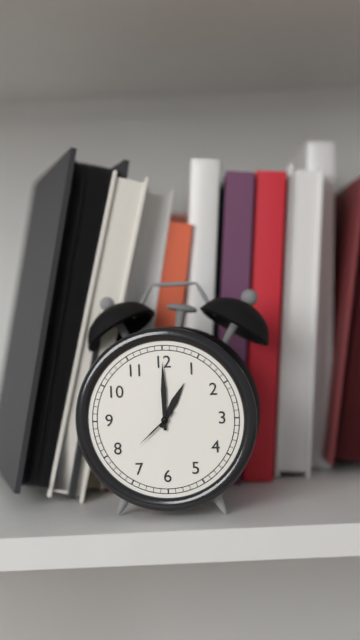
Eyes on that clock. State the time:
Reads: 1:00
